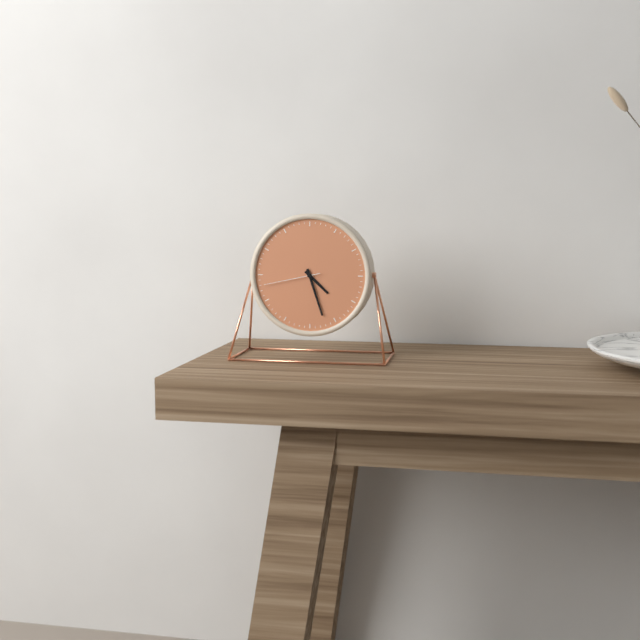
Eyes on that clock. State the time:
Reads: 4:27:43
